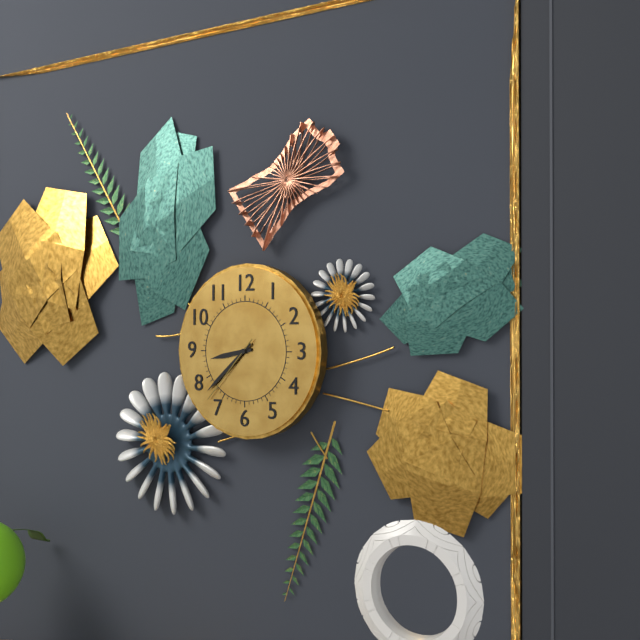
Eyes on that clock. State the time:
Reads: 8:38:37
